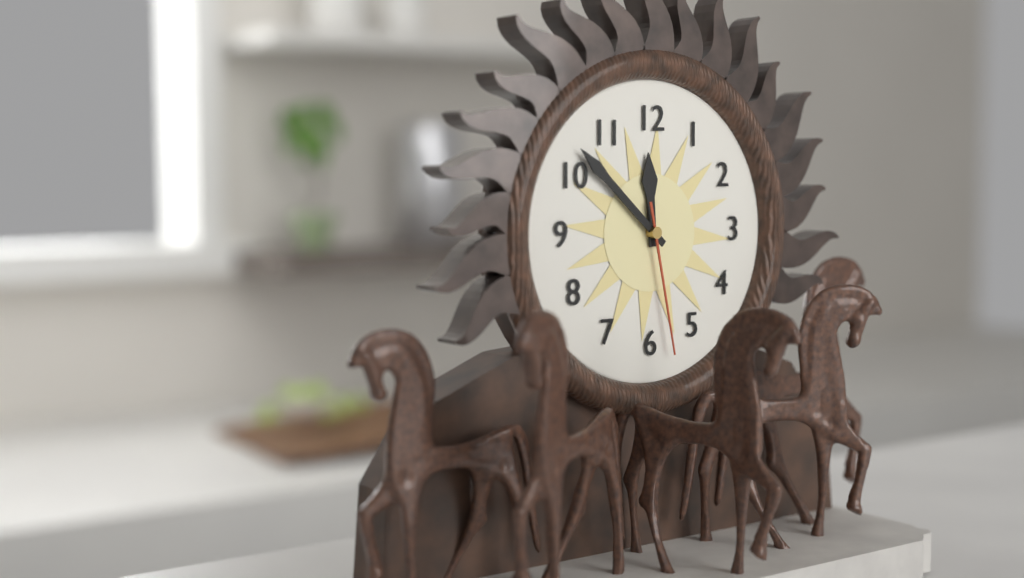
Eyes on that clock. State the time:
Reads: 11:52:28
